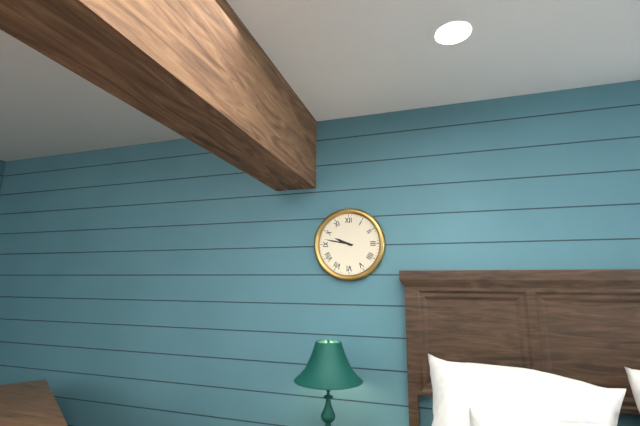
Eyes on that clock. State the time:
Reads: 9:47
